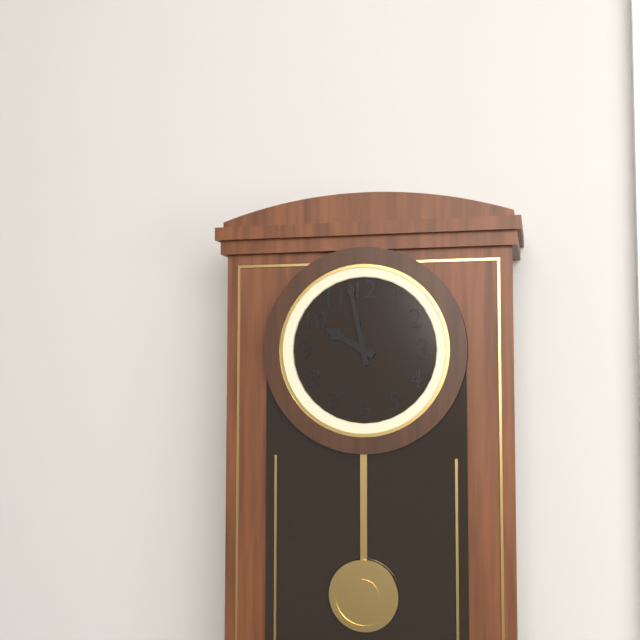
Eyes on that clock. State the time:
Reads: 9:58
